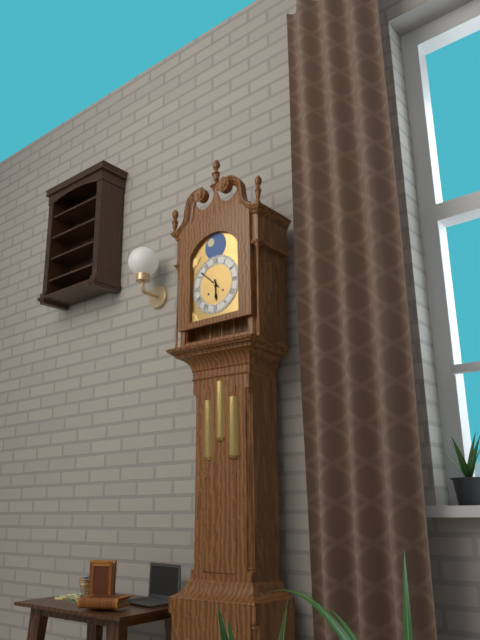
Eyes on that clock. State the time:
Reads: 5:52
